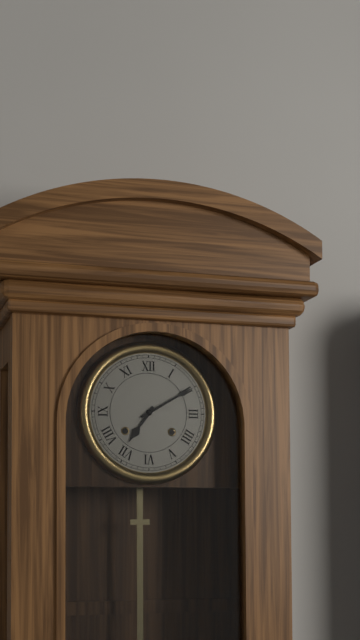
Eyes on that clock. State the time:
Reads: 7:10
